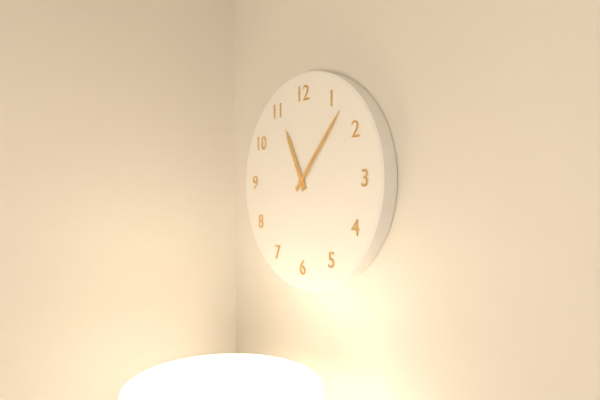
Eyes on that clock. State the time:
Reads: 11:07
